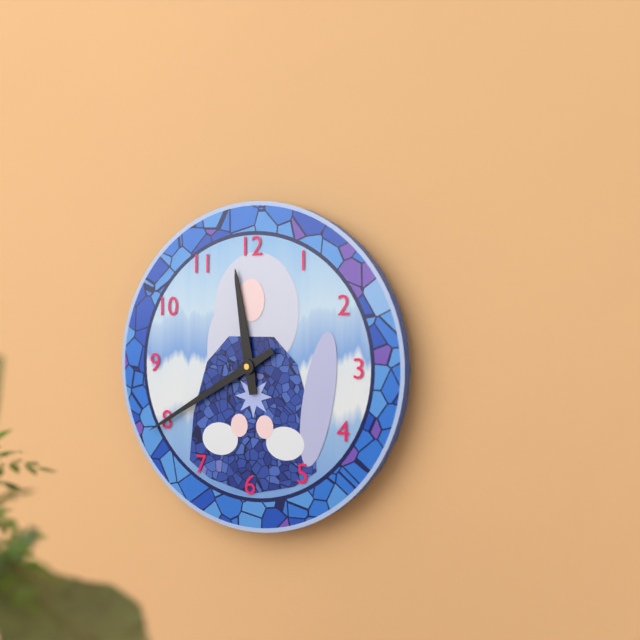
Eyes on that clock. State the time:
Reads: 11:40
